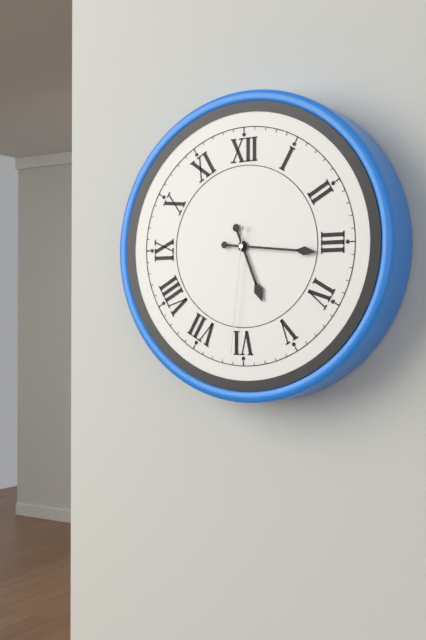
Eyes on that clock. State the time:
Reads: 5:16:31
